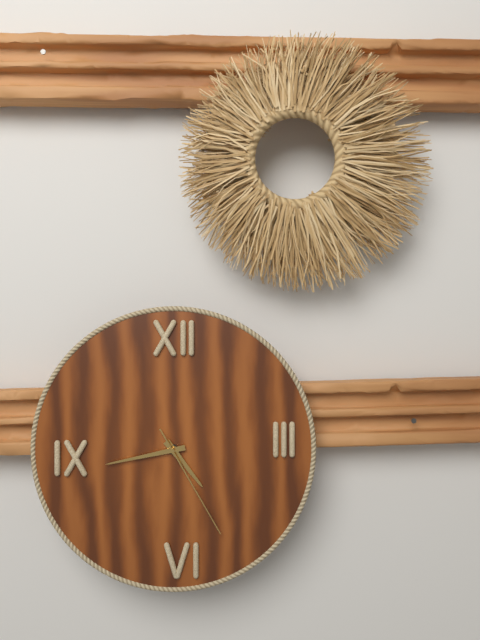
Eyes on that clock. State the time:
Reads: 4:43:25
